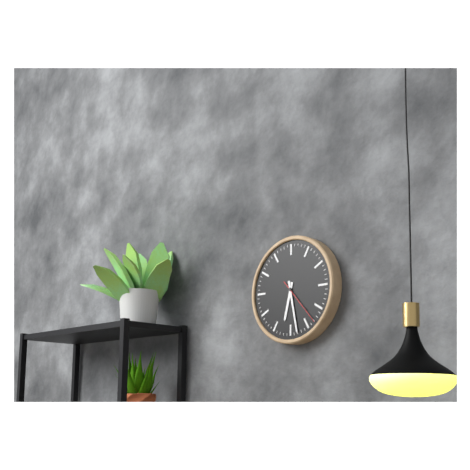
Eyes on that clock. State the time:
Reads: 6:28
